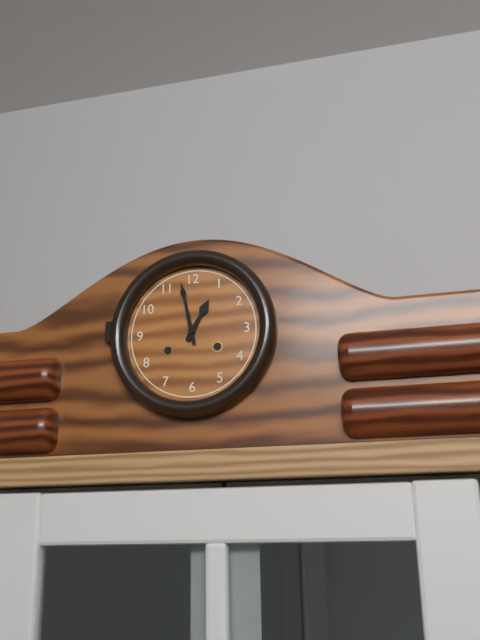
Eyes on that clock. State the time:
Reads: 12:58
